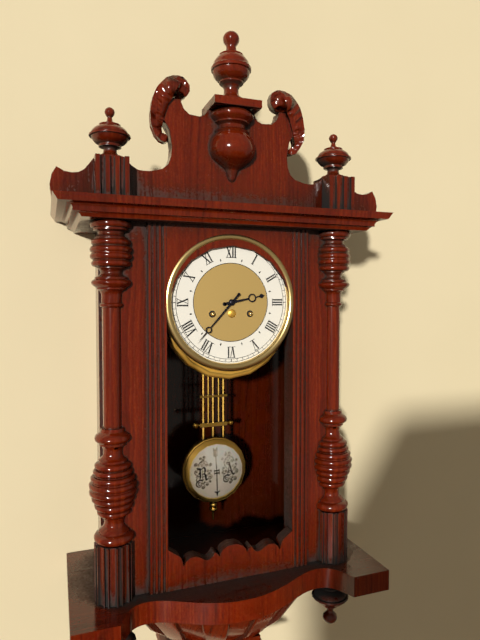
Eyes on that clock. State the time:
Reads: 2:37
